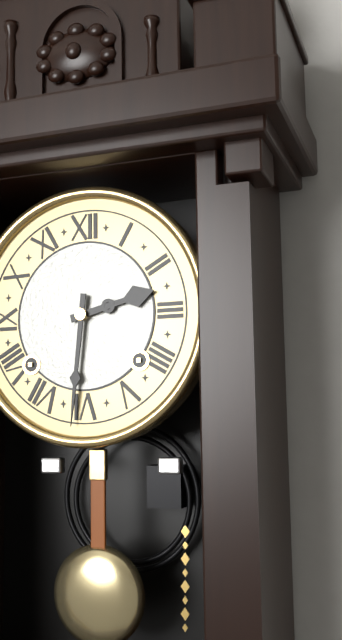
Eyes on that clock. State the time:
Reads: 2:31
